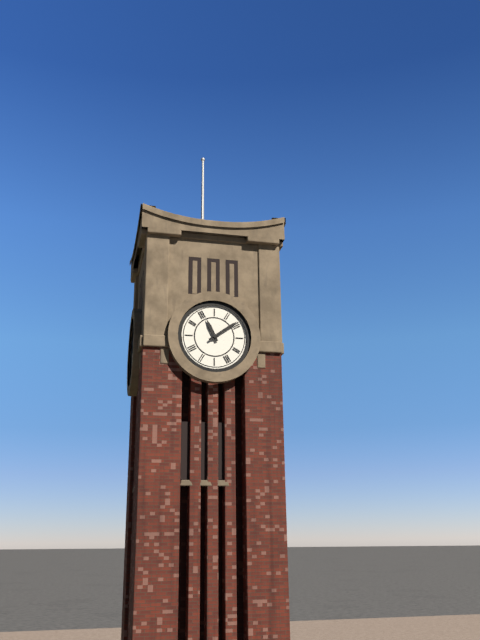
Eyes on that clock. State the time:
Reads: 11:09
